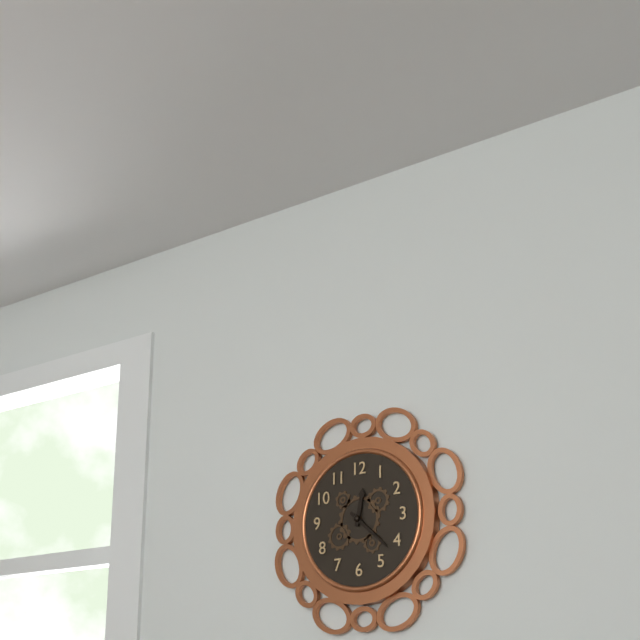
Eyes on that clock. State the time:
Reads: 12:22
